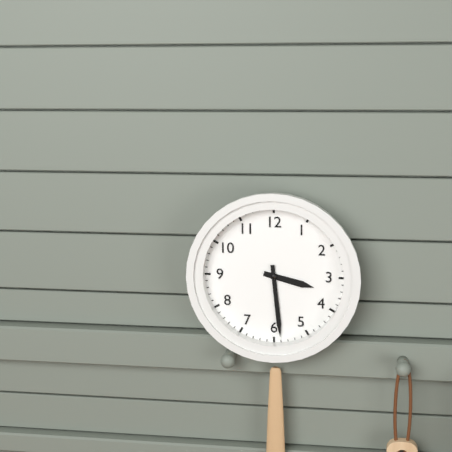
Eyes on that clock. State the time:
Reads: 3:29
